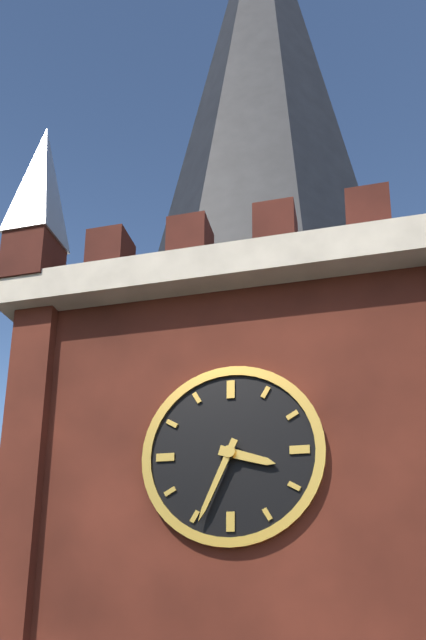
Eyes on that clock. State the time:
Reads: 3:34
